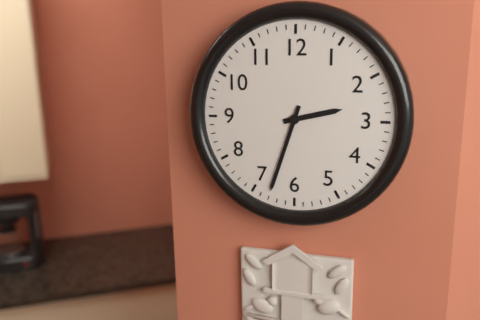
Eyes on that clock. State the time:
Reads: 2:33
